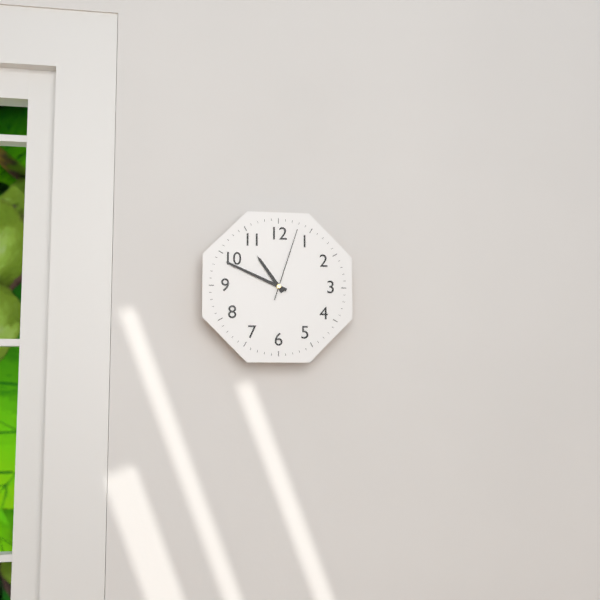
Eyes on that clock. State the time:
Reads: 10:49:03
